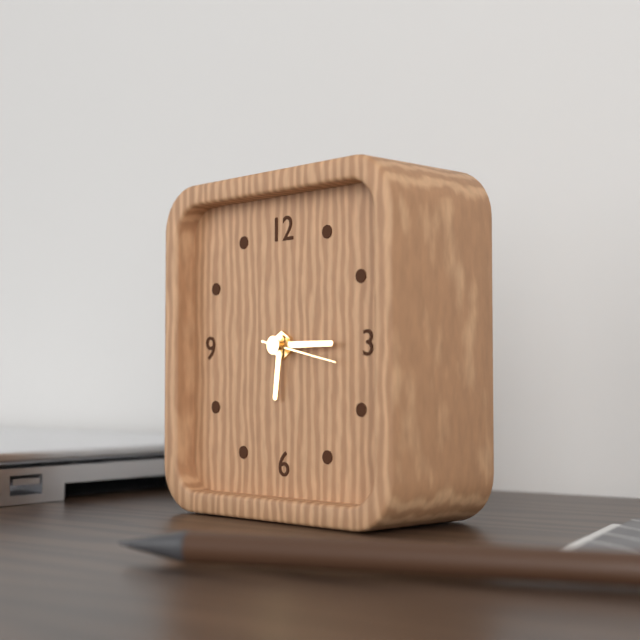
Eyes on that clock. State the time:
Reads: 6:15:17
